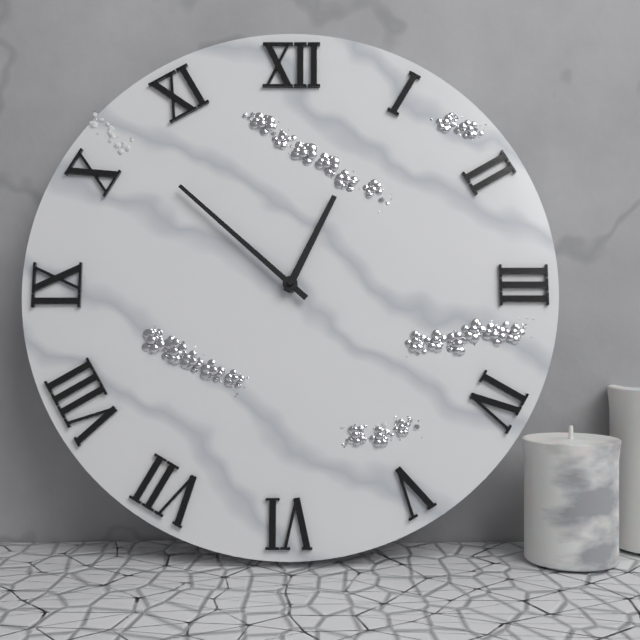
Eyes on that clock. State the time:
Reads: 12:52
